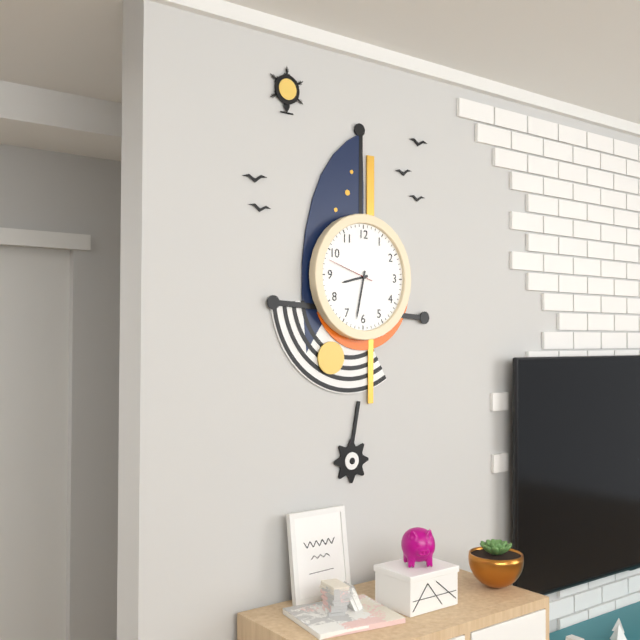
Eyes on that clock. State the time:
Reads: 8:32
